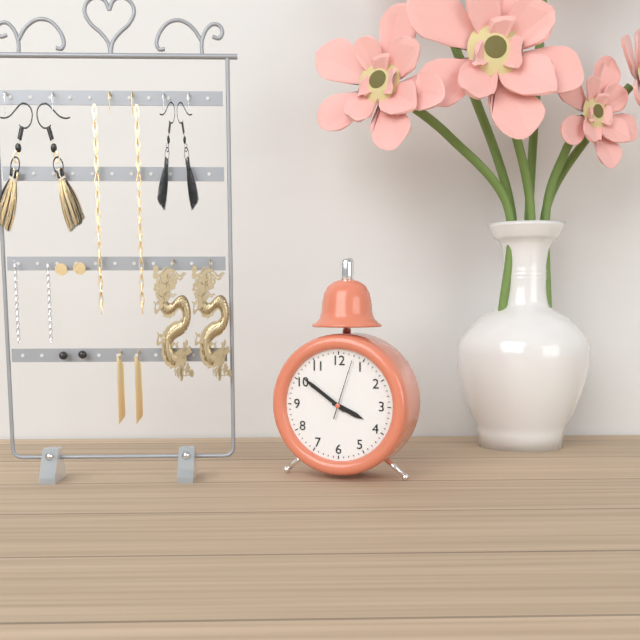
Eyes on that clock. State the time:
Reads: 3:51:03
